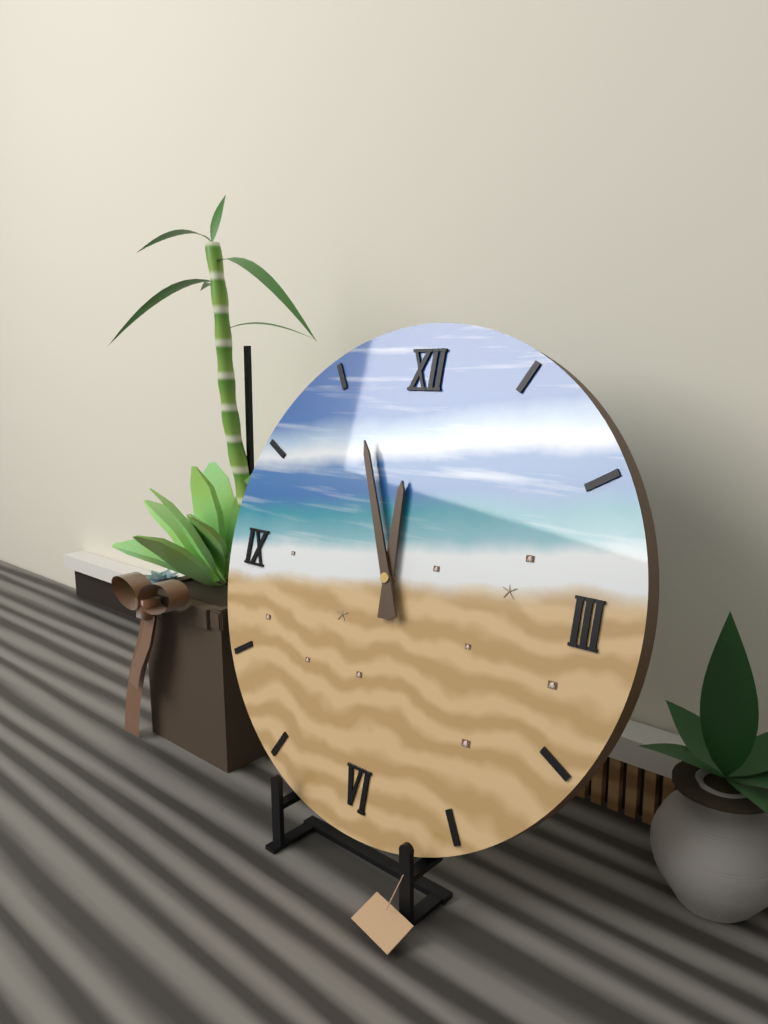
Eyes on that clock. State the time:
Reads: 11:56
